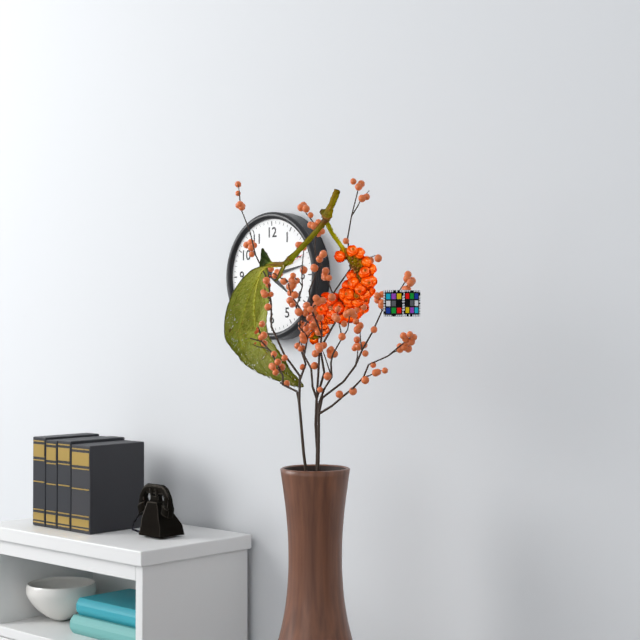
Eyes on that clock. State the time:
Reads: 4:13
